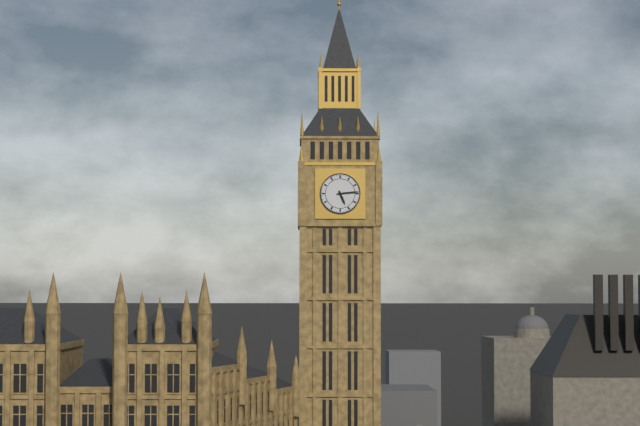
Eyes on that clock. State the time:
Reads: 5:14
